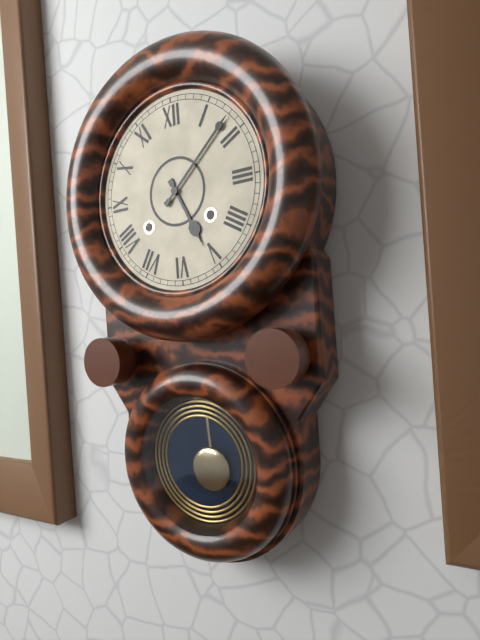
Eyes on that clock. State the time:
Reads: 5:08
